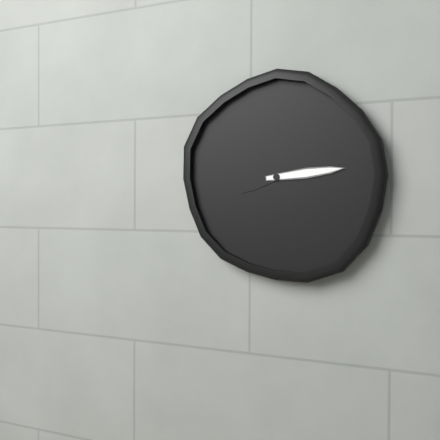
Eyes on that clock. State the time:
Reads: 8:14
